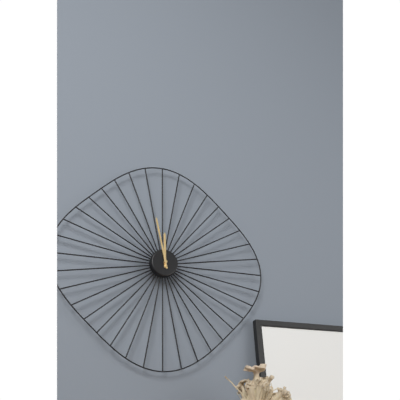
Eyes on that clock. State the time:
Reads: 11:58
